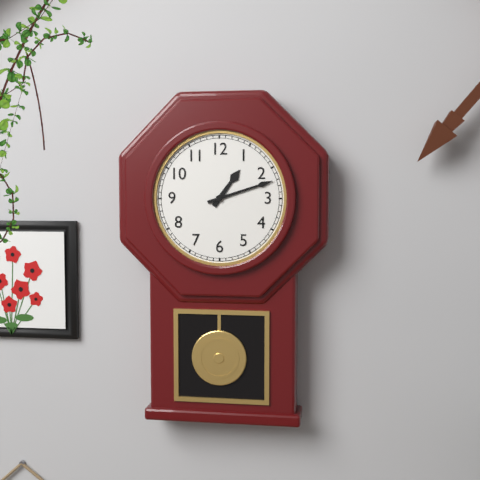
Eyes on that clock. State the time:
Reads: 1:12
